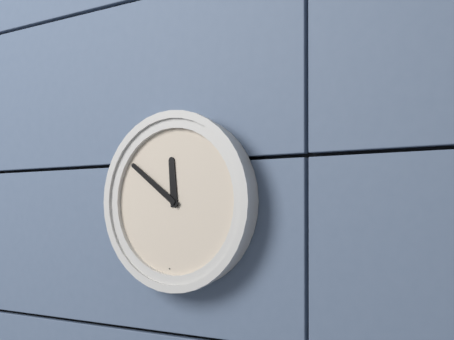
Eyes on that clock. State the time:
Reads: 11:51
